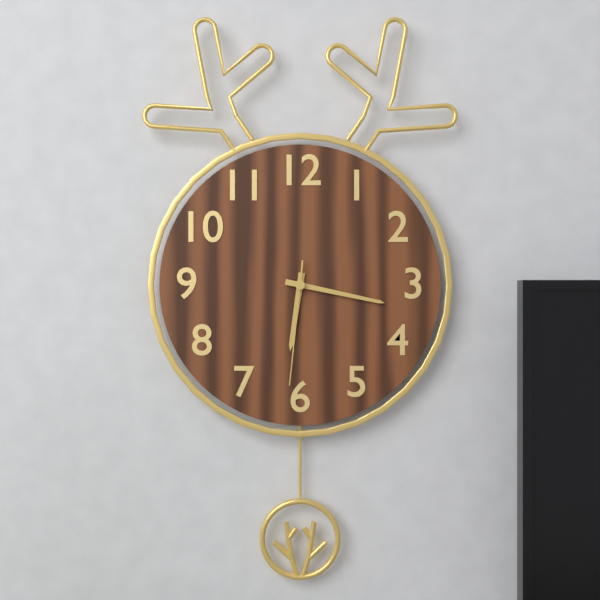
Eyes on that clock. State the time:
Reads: 6:17:31
